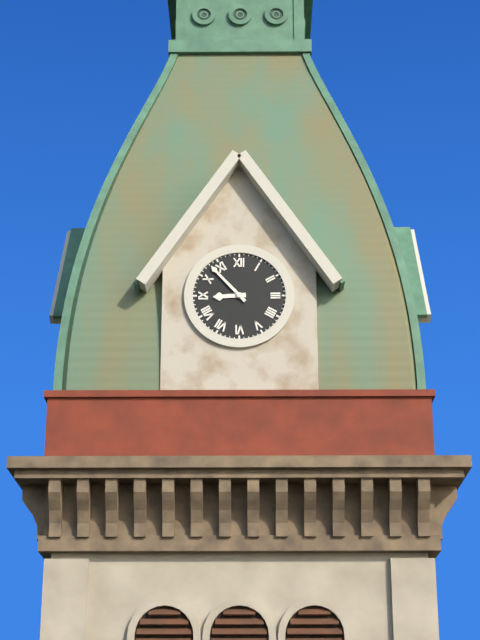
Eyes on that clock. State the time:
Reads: 8:53
